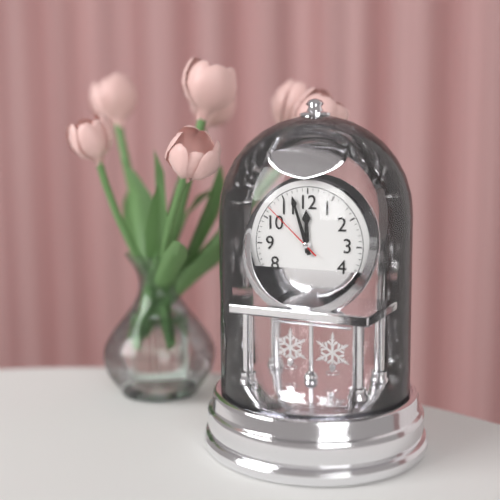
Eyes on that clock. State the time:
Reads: 11:57:52
